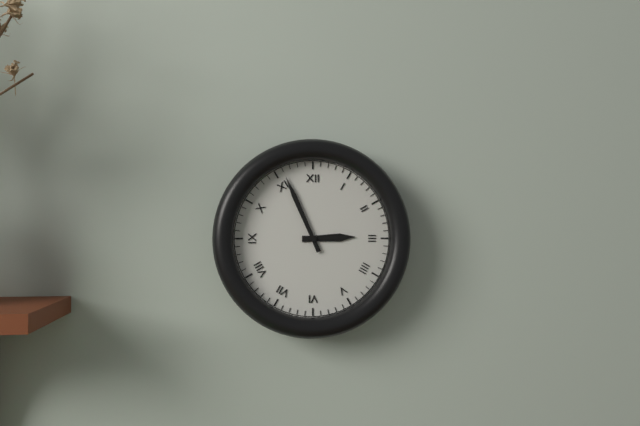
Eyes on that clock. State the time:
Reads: 2:56
